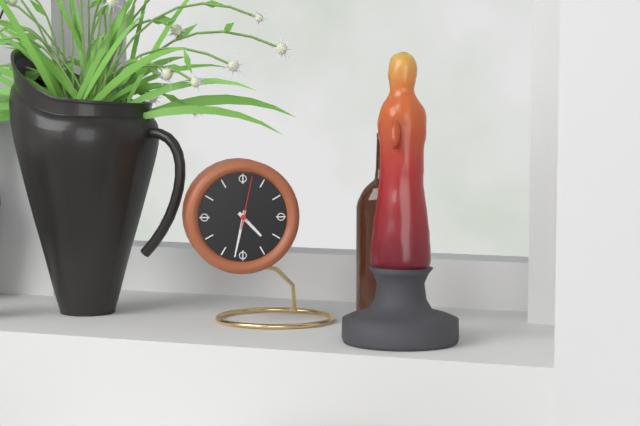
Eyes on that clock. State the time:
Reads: 4:32:02
